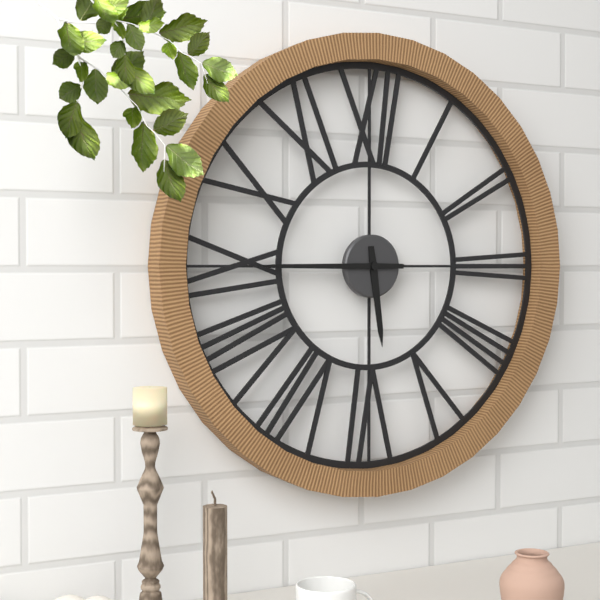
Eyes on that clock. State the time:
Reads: 5:45
